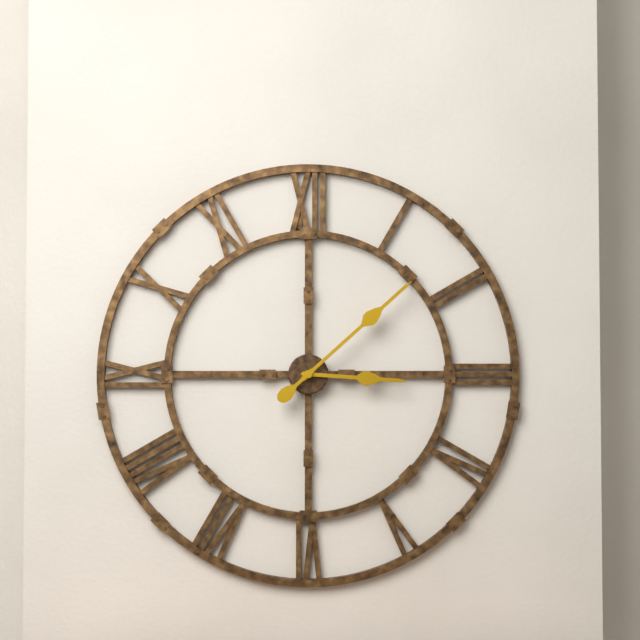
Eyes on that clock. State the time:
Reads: 3:08
